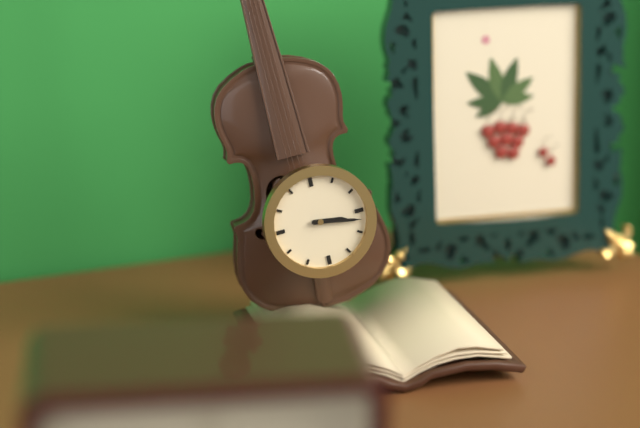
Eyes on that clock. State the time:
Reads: 3:17
